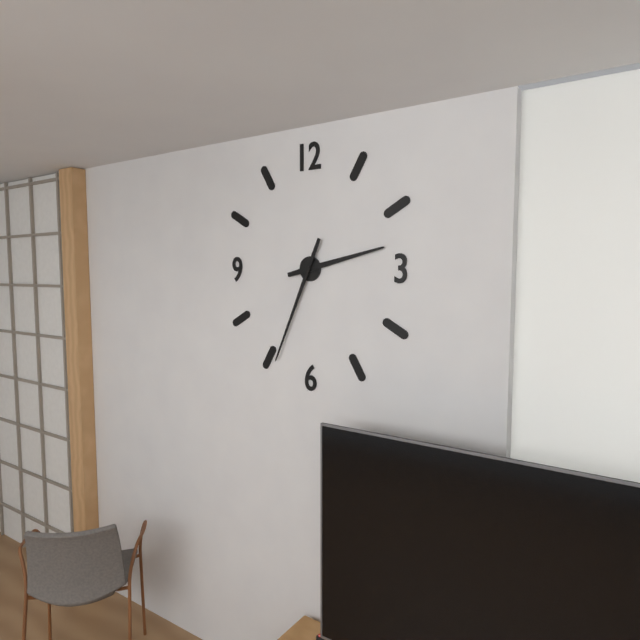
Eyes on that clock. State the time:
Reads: 2:34
